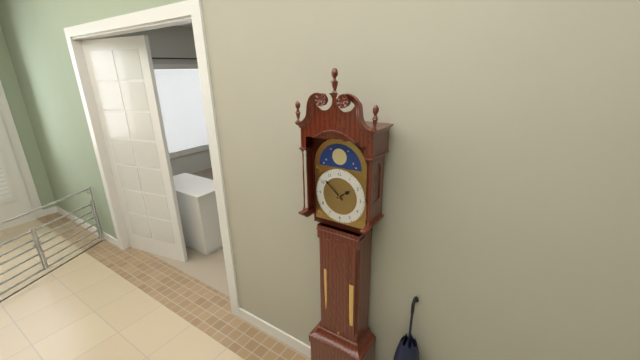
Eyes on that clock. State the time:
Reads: 1:52
